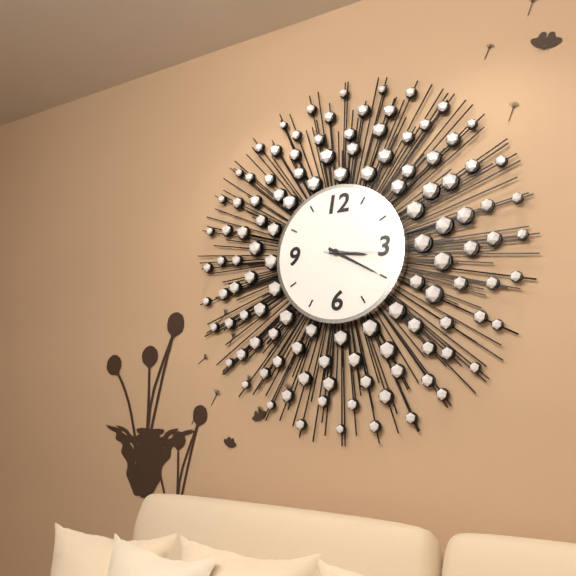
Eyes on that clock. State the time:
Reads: 3:20:16
